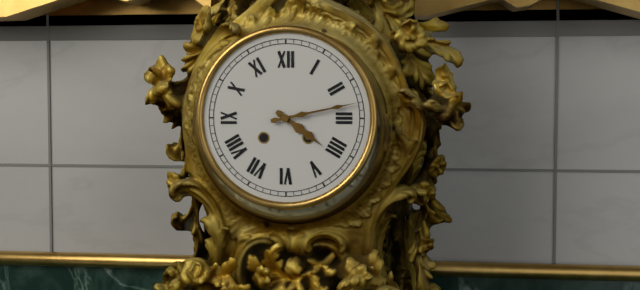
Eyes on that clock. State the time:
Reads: 4:13
